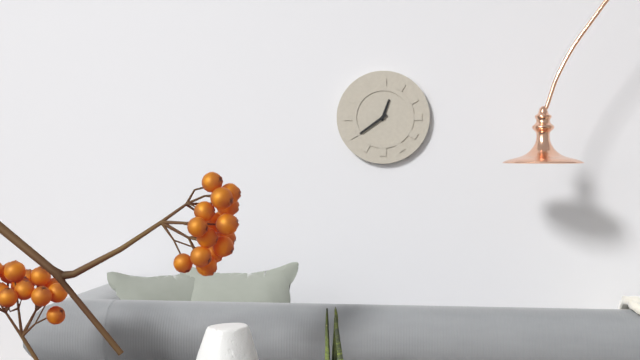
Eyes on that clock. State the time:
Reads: 12:39
